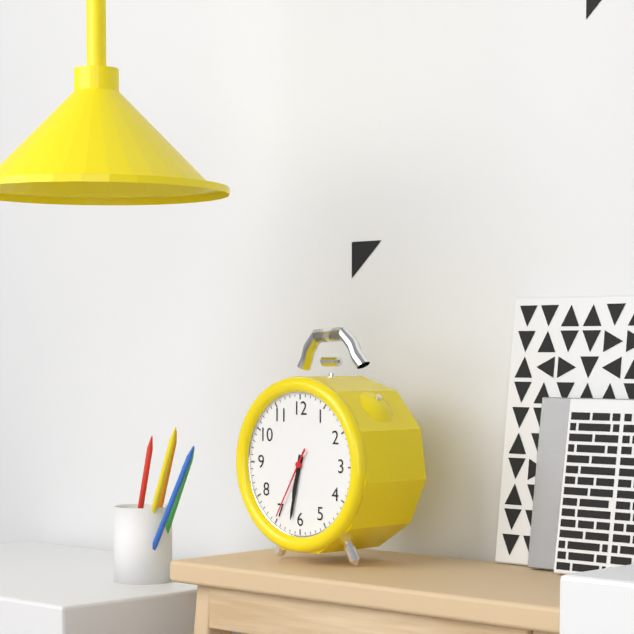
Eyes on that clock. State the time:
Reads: 6:32:35
